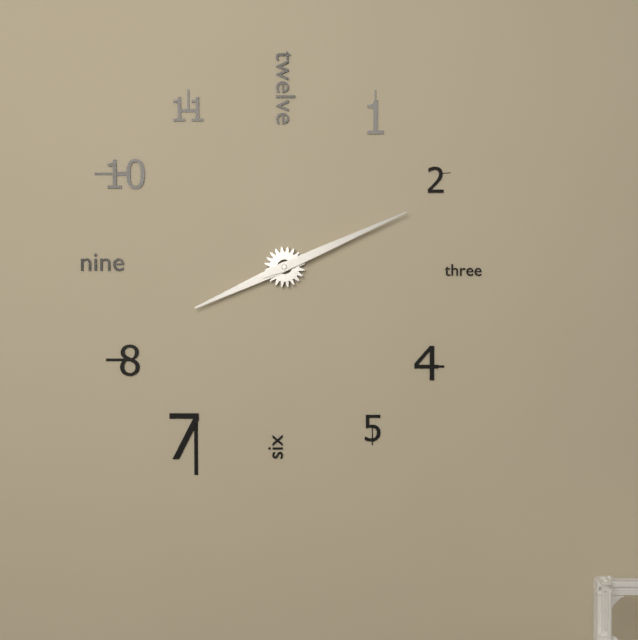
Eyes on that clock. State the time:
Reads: 8:11
